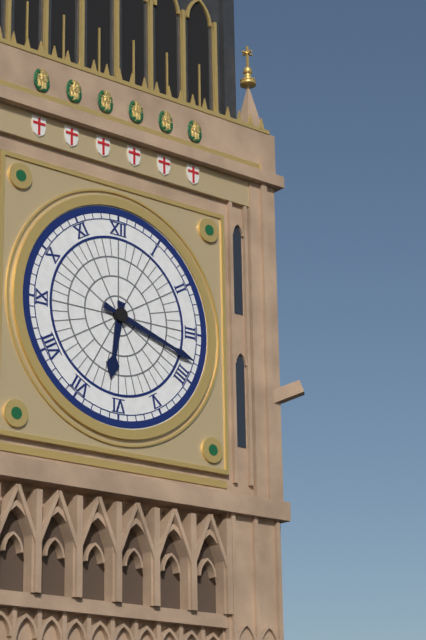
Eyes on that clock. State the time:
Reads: 6:18
